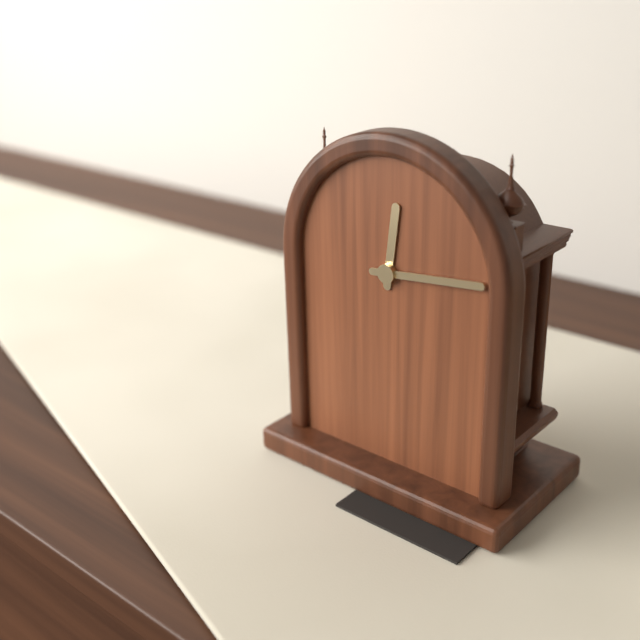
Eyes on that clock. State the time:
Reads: 12:14
